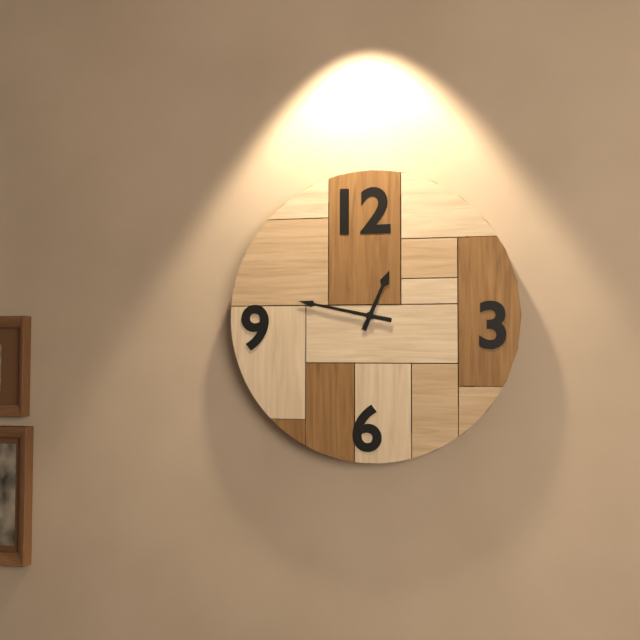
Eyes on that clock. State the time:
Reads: 12:47
